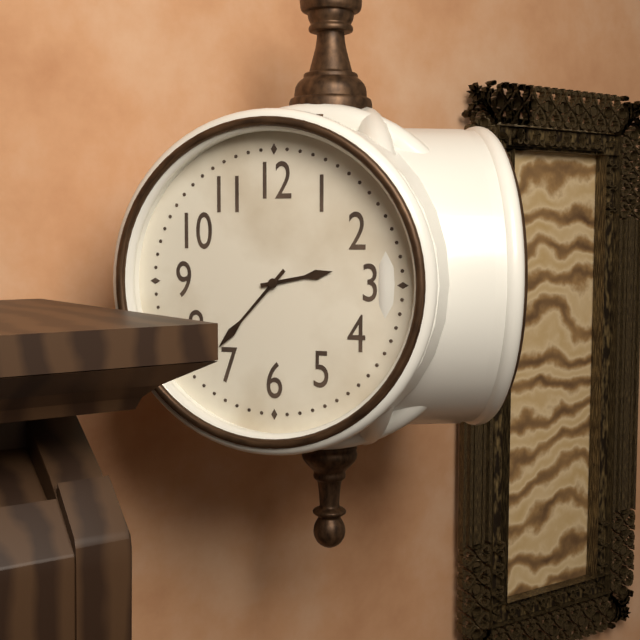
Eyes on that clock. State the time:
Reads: 2:37
